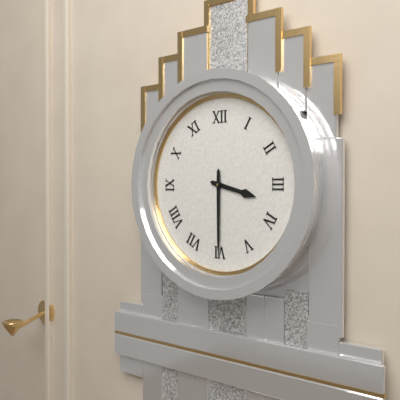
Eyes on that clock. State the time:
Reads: 3:30
